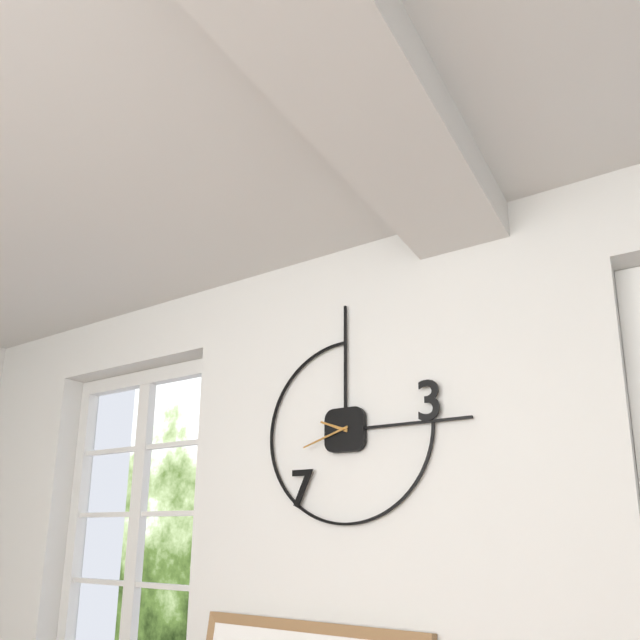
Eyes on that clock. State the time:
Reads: 9:42
